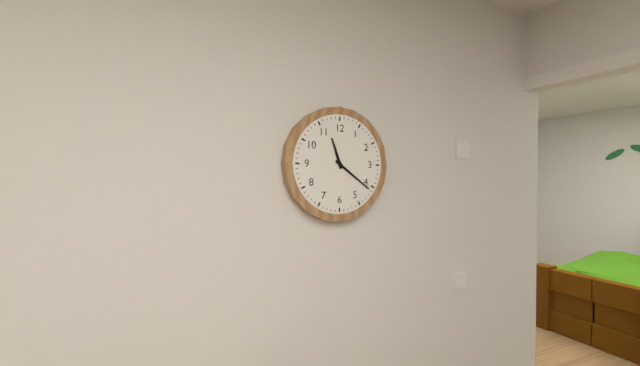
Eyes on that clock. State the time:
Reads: 11:21
